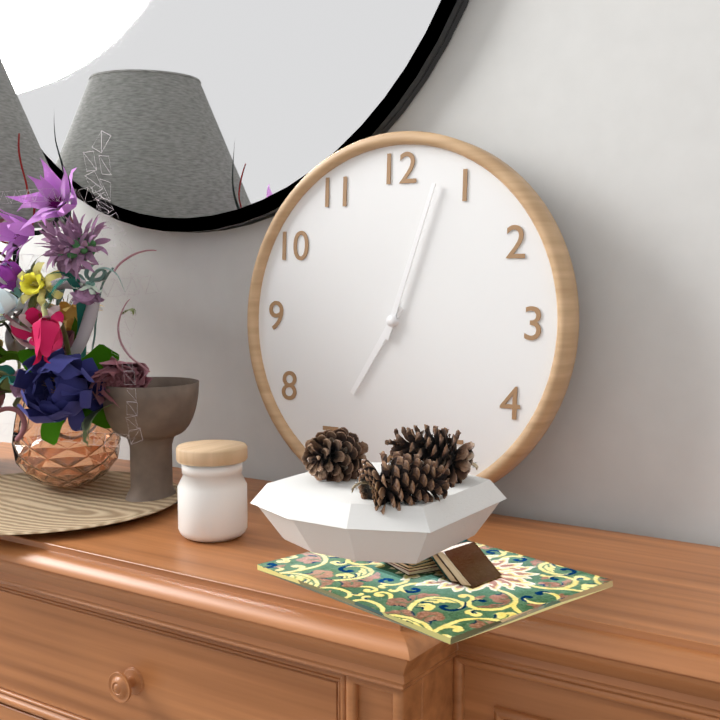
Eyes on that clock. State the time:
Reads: 7:03
